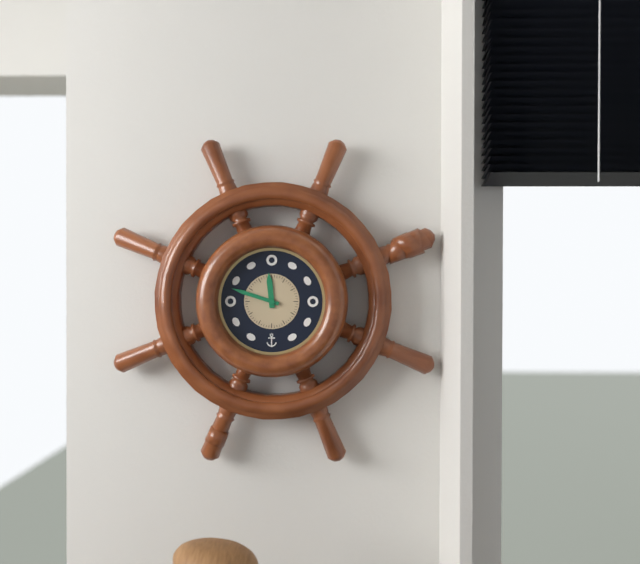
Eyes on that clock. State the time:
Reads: 11:48
